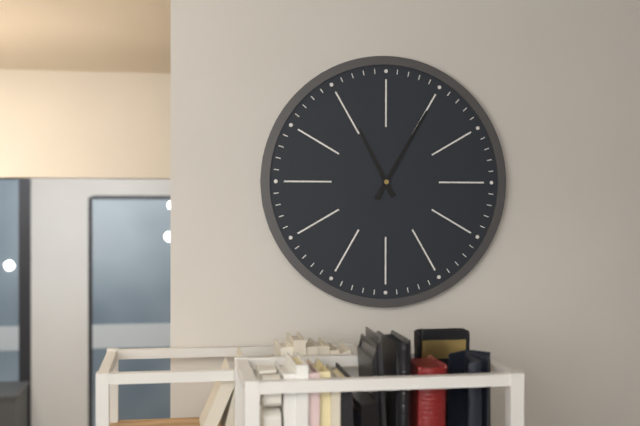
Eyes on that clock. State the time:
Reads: 11:05
